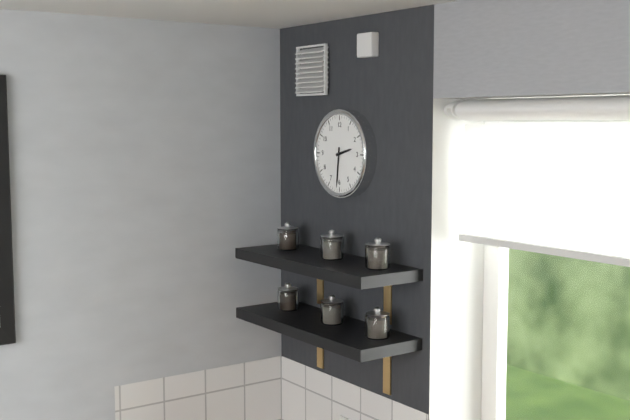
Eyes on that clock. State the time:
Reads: 2:31
